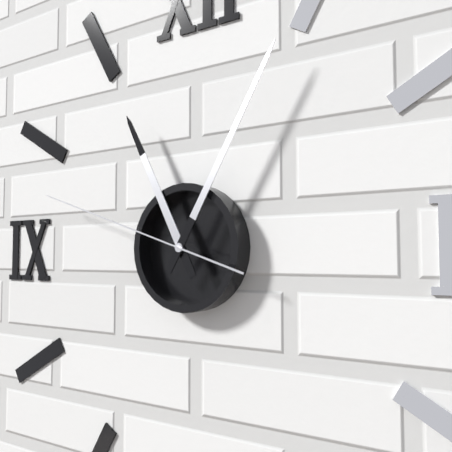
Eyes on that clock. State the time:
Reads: 11:05:48
